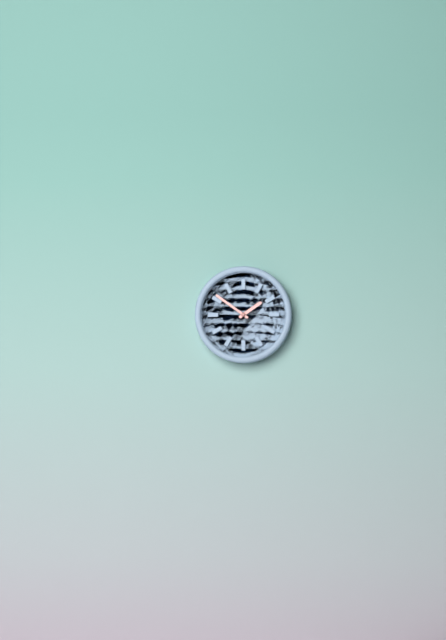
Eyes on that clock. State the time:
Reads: 1:51
